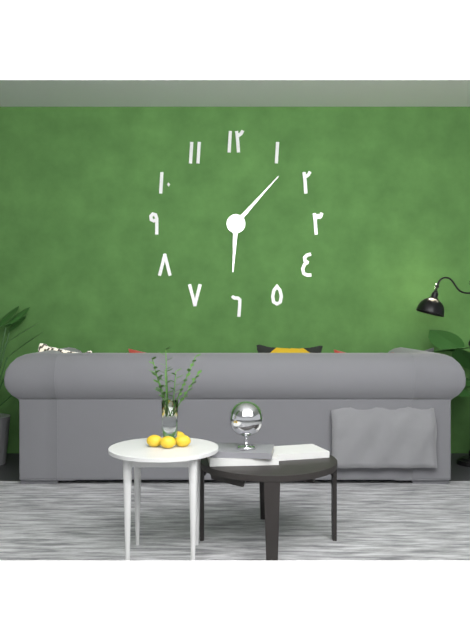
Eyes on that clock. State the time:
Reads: 6:07
